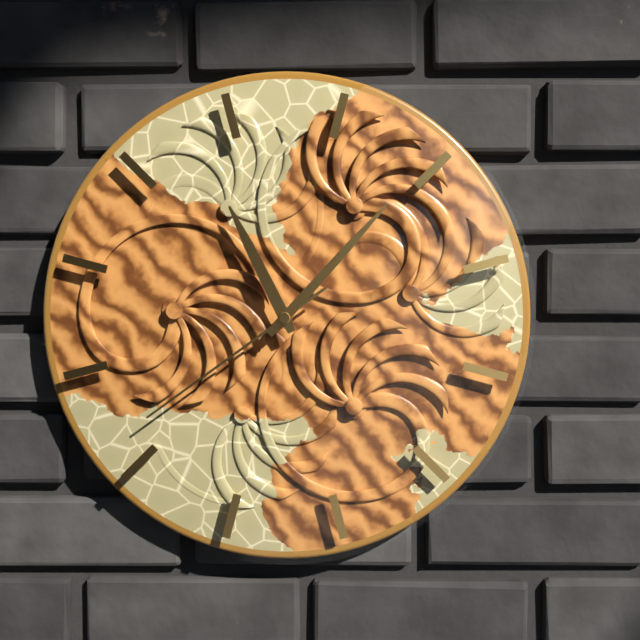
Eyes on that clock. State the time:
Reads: 11:07:39
